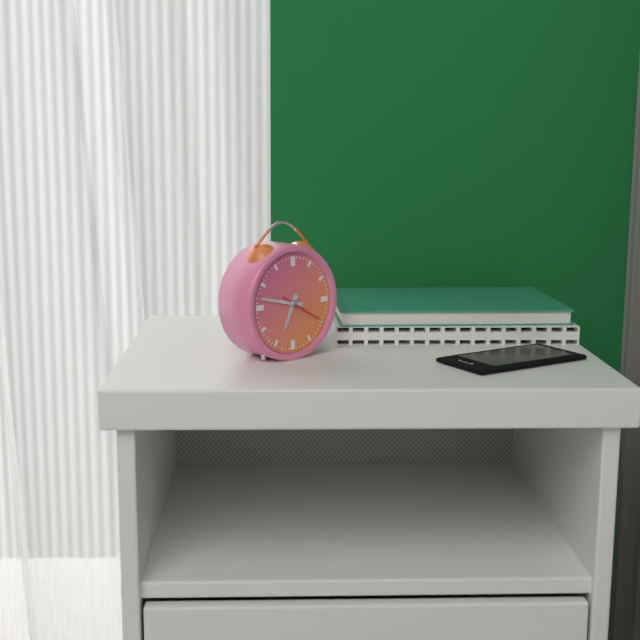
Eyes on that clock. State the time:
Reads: 6:47:20
